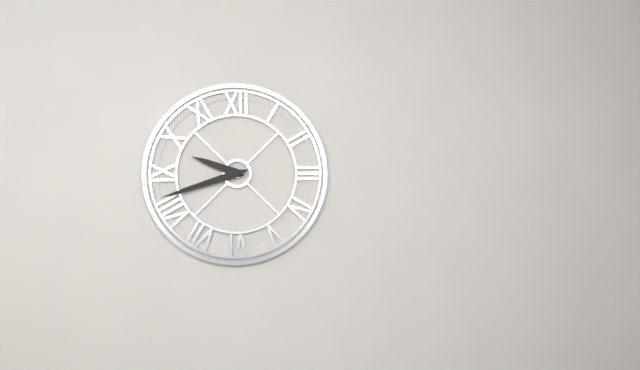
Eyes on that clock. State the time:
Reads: 9:42
